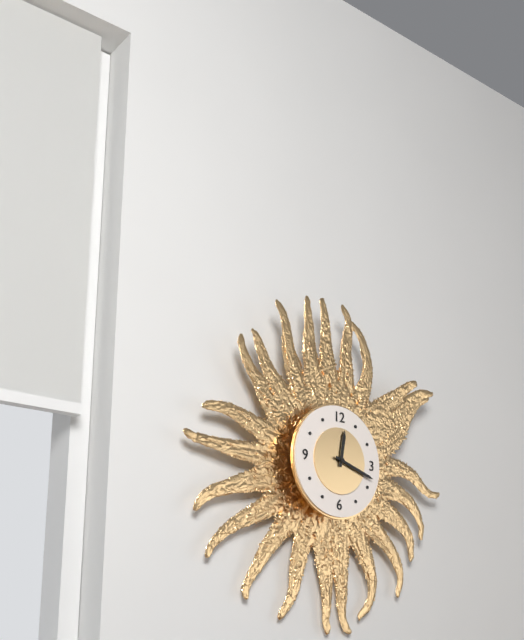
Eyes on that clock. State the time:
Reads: 12:18
